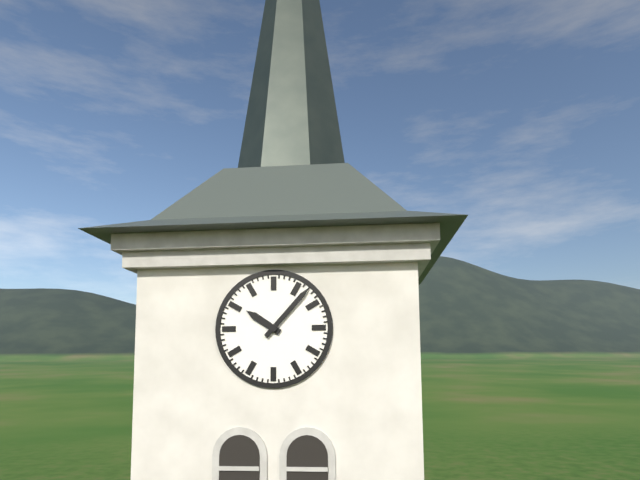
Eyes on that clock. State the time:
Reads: 10:07
